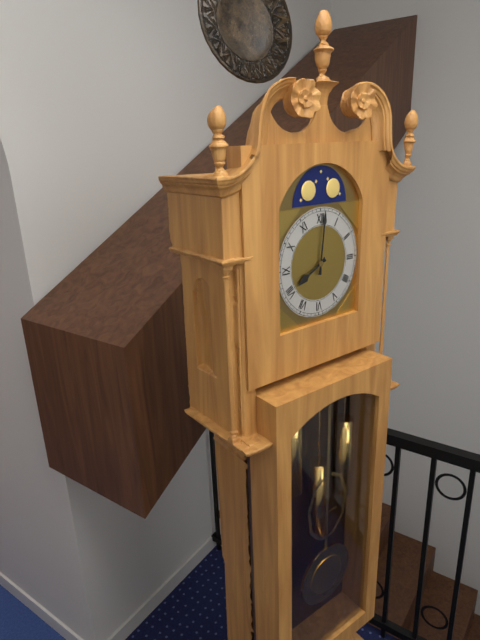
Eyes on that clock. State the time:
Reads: 8:01
